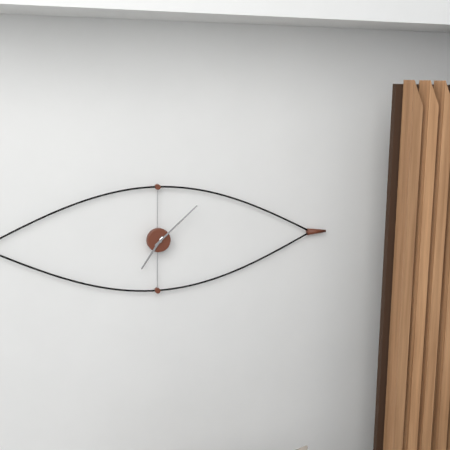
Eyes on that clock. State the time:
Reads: 7:08
